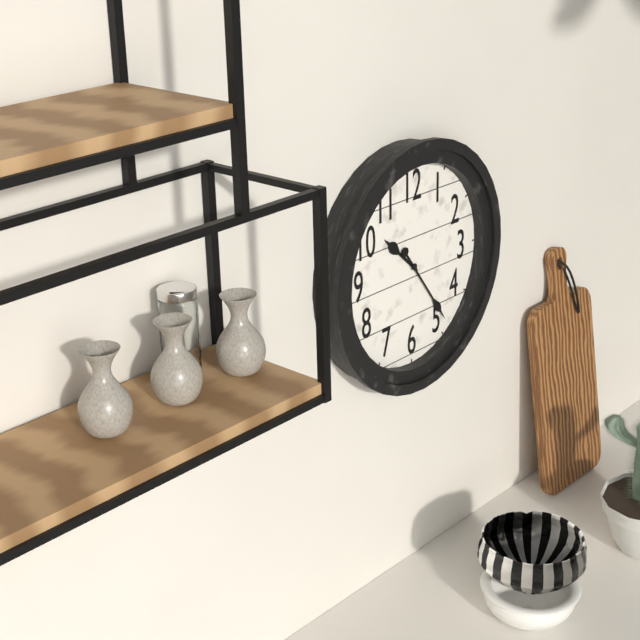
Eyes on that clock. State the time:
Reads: 10:24
